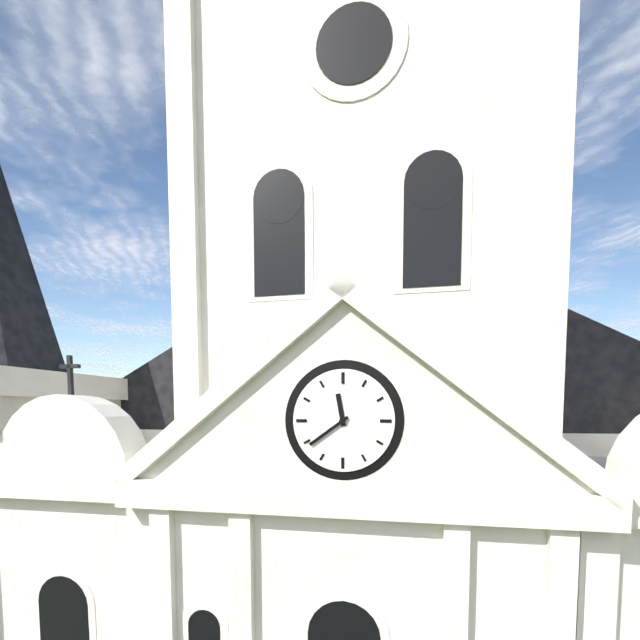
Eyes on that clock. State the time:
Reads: 11:39
